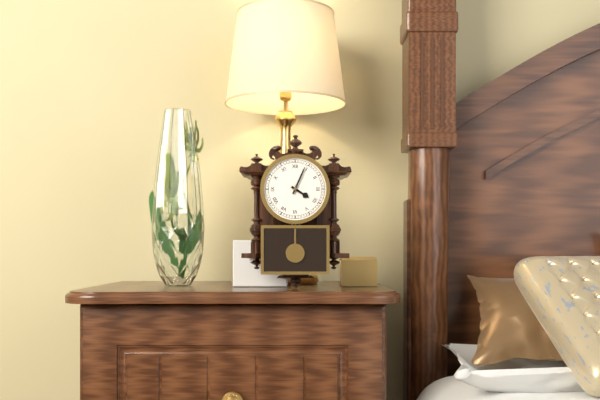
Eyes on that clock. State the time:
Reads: 4:04
